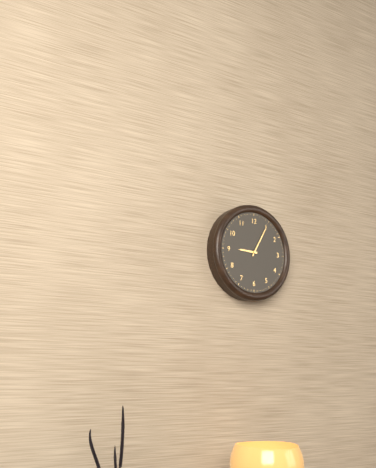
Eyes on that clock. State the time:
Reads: 9:05
